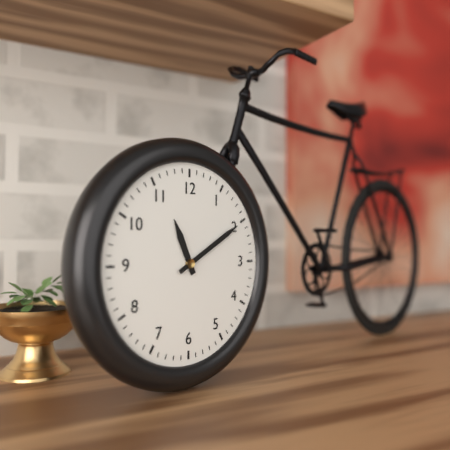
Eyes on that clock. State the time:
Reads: 11:10
